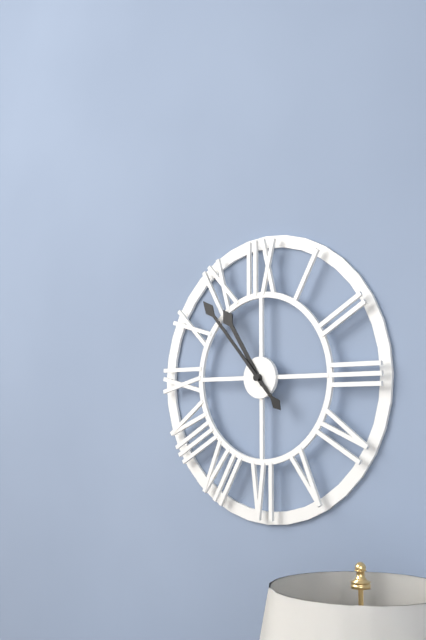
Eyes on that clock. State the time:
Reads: 10:53
